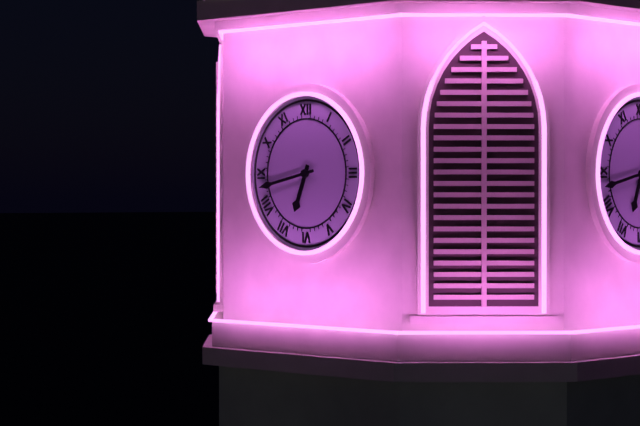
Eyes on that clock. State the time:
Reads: 6:43
